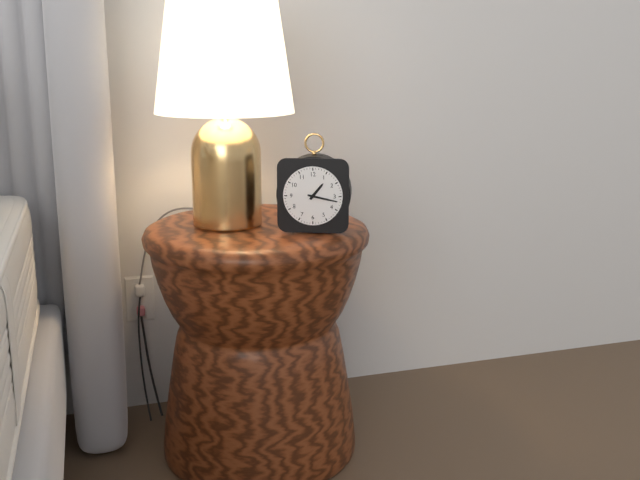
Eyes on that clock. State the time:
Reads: 1:17
